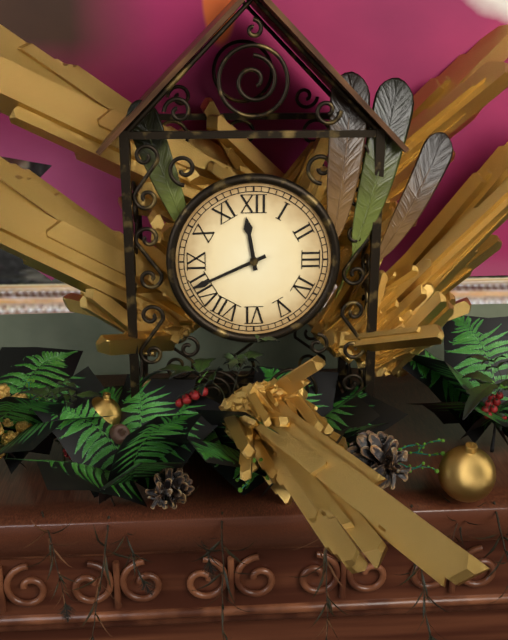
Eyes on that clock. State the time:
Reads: 11:41
